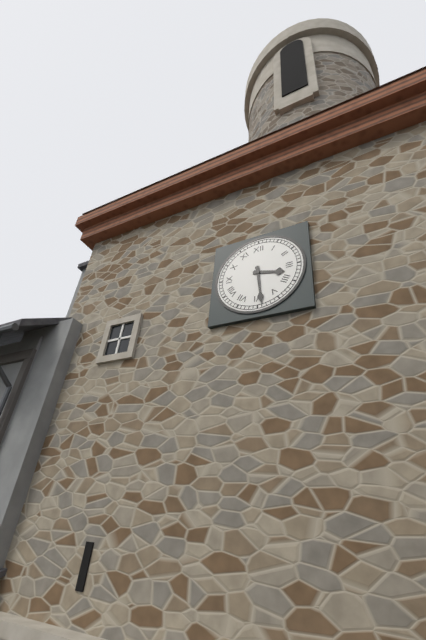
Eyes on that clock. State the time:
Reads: 3:29
